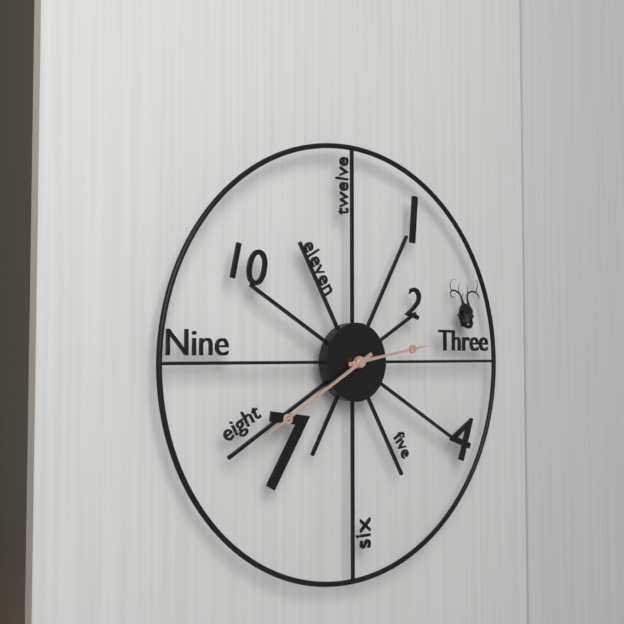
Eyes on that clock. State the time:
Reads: 2:40
